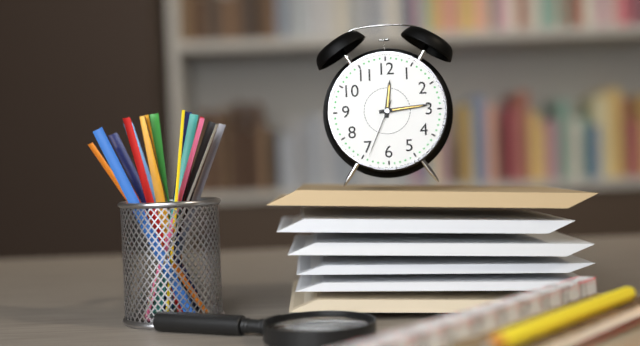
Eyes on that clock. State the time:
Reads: 12:14:34
